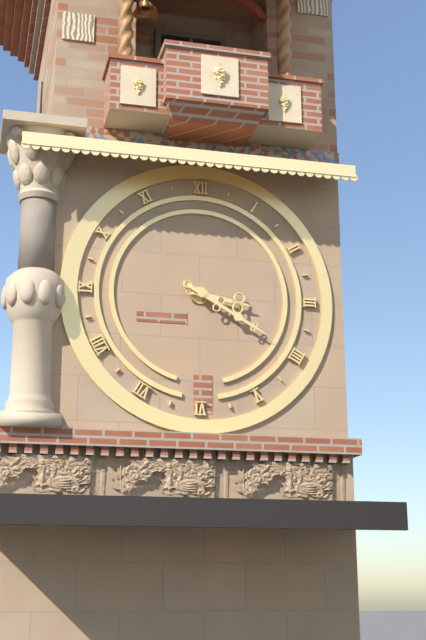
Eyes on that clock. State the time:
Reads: 3:20
